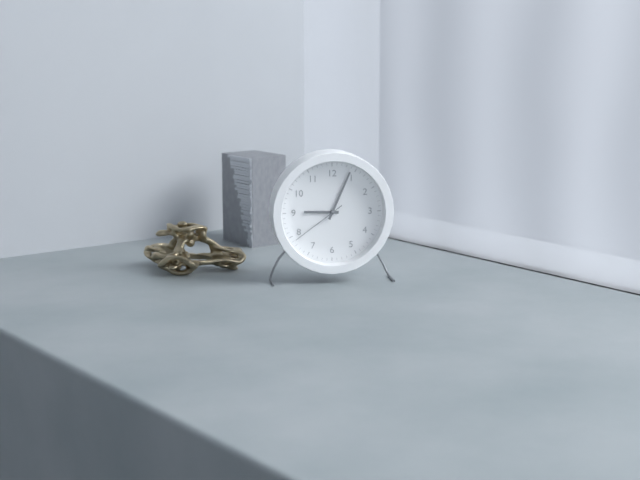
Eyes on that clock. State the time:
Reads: 9:04:39
